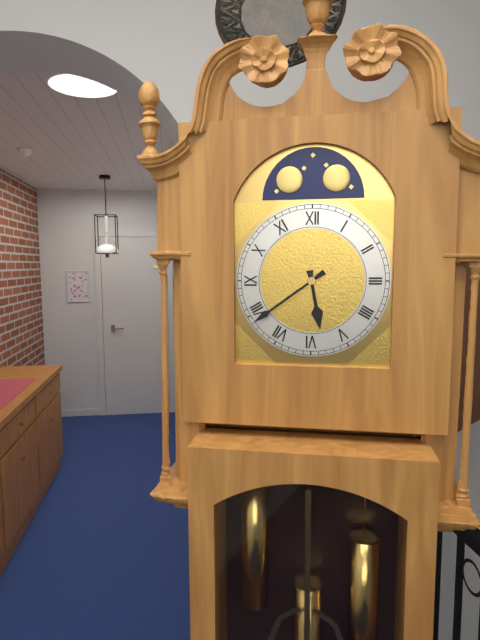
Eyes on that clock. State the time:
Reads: 5:39
